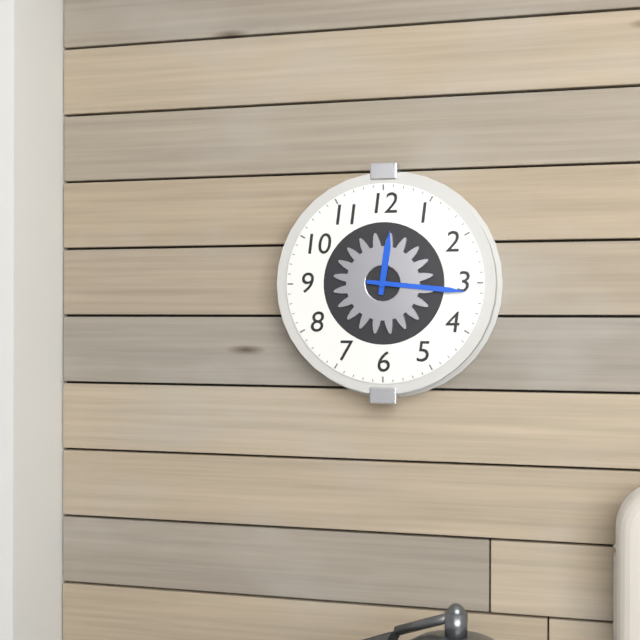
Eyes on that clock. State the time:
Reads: 12:16
